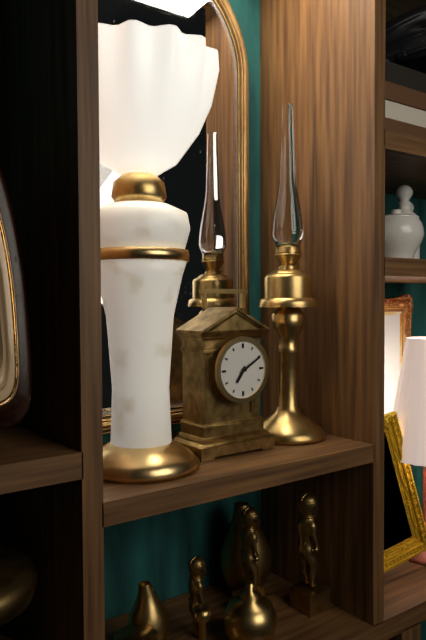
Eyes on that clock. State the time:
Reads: 7:10
